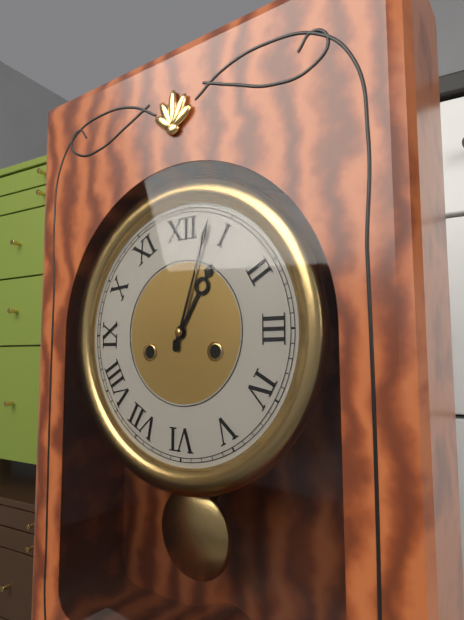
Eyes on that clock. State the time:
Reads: 1:03
